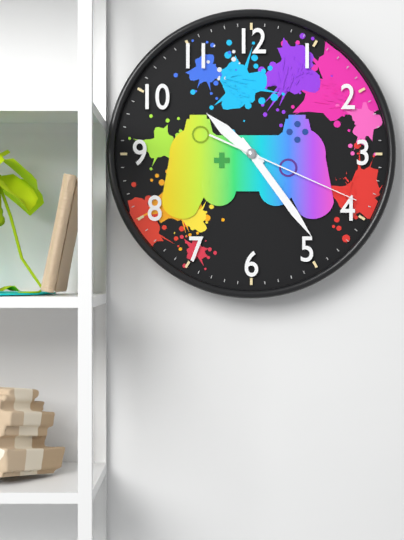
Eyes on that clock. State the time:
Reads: 10:24:19
